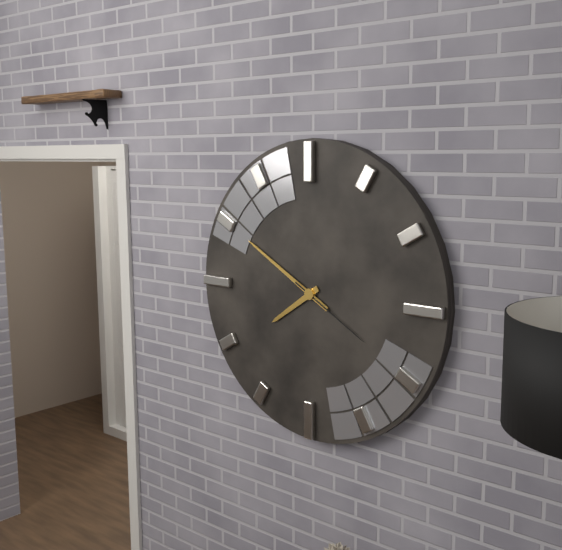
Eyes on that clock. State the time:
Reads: 7:50:20
